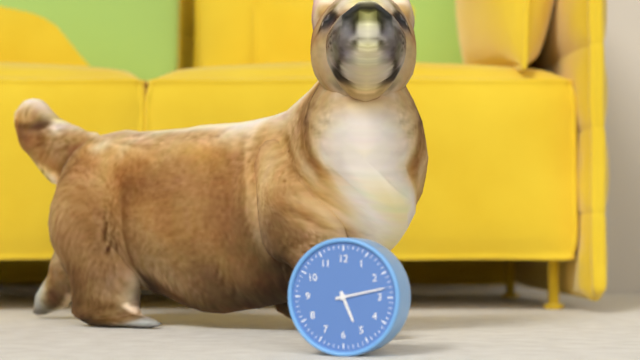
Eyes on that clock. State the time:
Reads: 5:13
